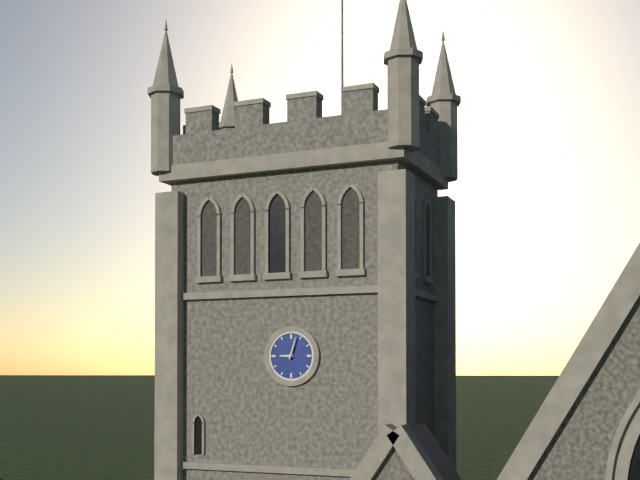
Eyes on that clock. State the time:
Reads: 9:03
